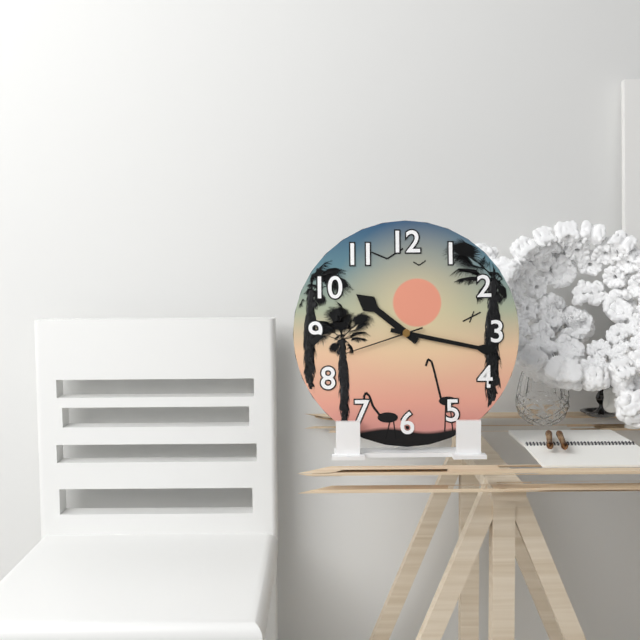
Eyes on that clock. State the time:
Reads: 10:17:42
